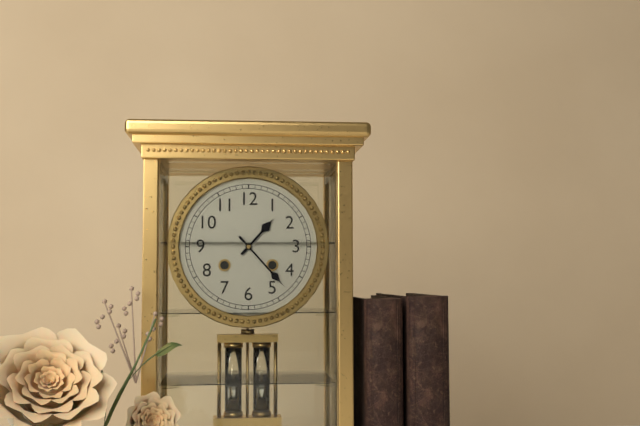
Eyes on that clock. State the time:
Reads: 1:23
